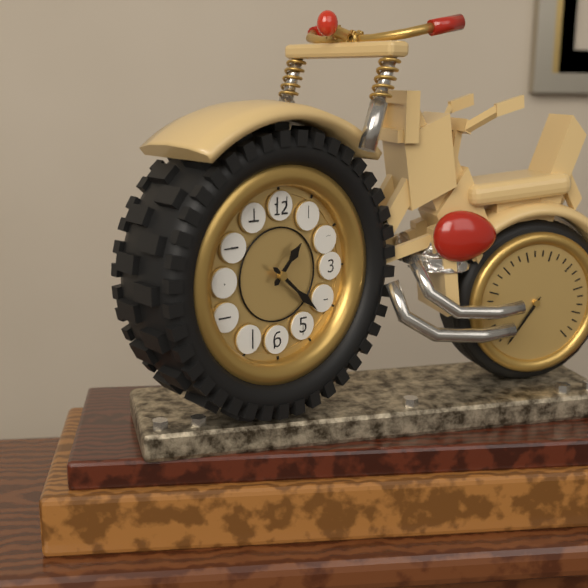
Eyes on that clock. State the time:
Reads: 1:22
